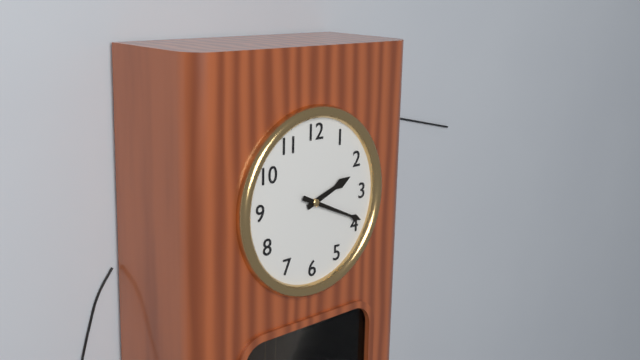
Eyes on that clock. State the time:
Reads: 2:19
